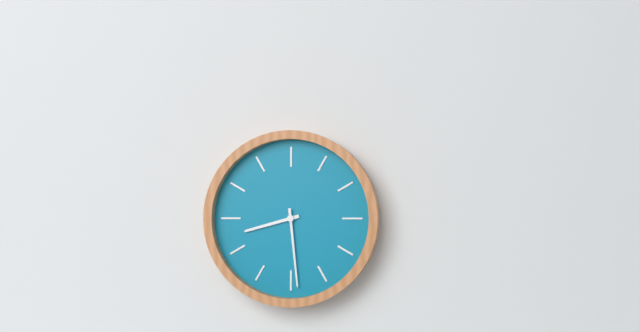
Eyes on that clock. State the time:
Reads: 8:29
